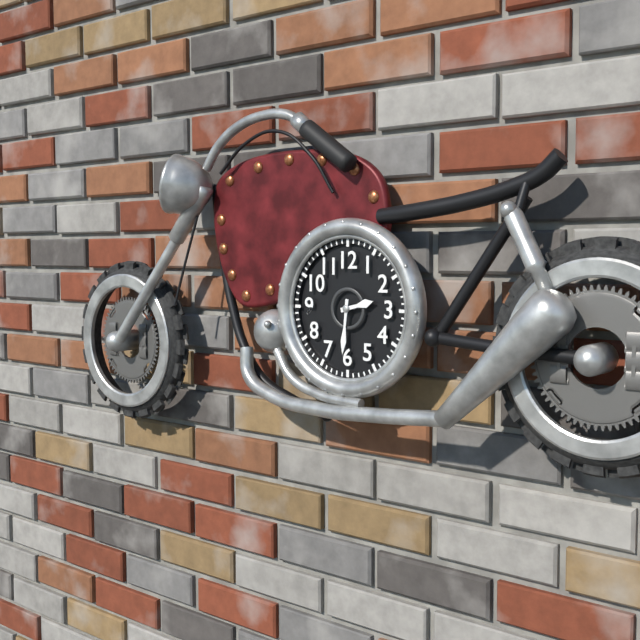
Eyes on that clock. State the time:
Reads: 2:31
